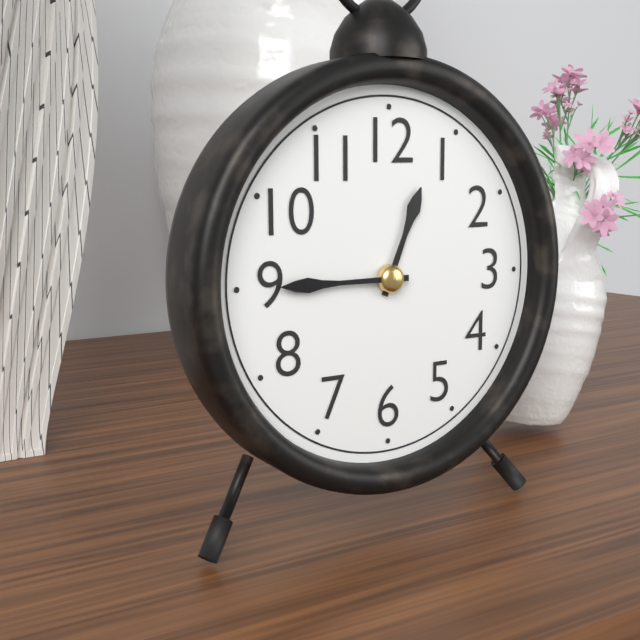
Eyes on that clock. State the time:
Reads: 12:45
